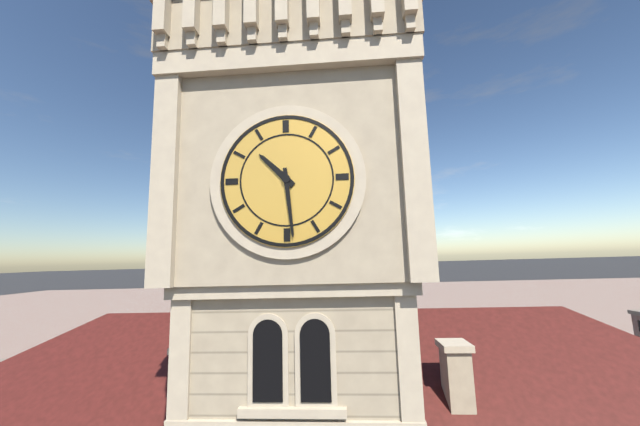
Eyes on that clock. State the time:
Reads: 10:29
